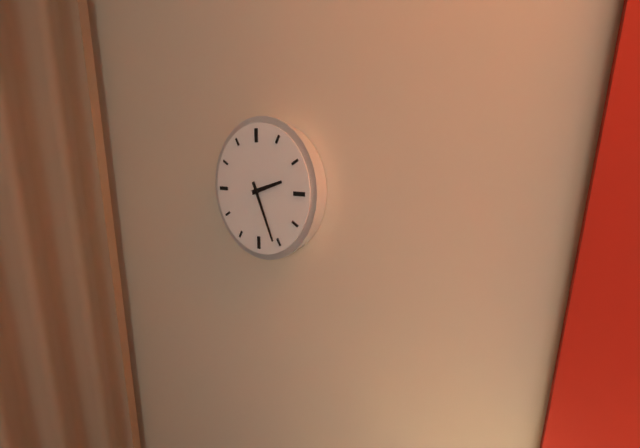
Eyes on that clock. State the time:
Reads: 2:26
